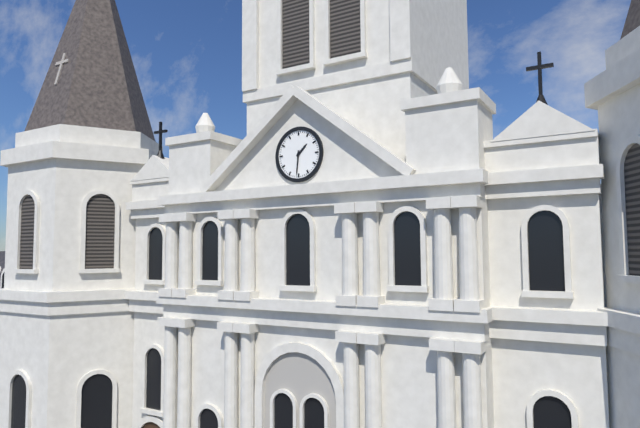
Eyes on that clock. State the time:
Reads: 1:31
